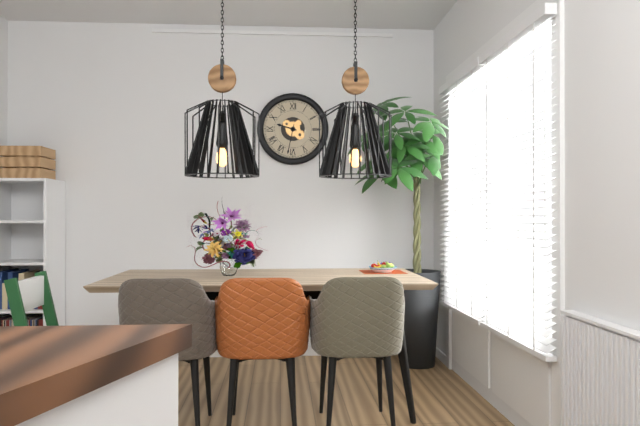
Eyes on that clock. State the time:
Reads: 9:32
